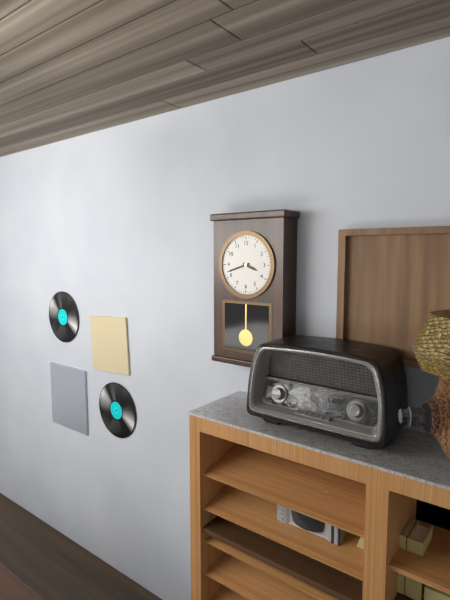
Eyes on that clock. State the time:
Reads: 3:42
